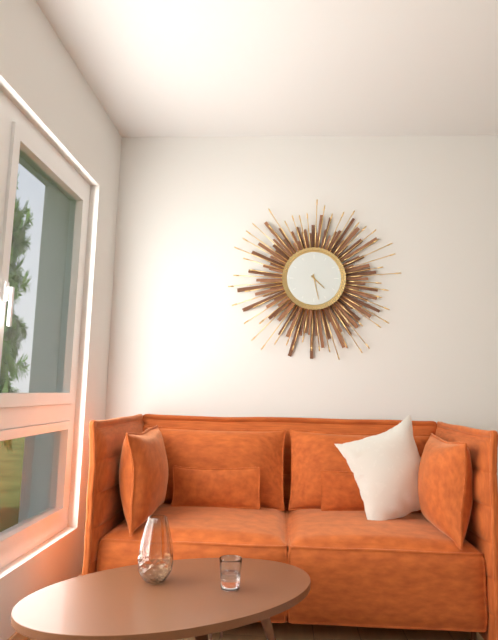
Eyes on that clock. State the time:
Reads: 4:28
